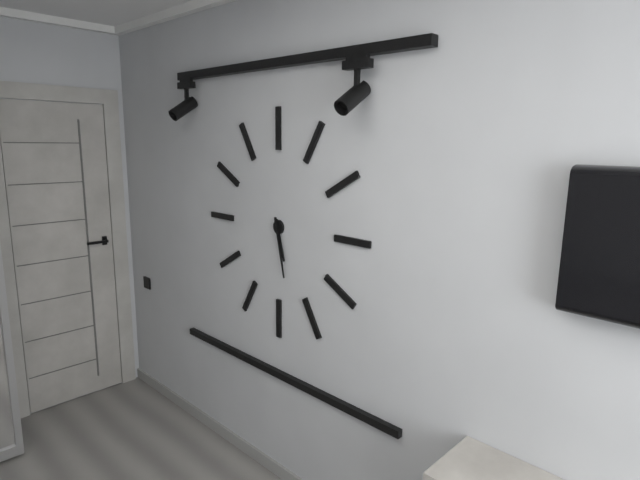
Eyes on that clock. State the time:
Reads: 5:28
